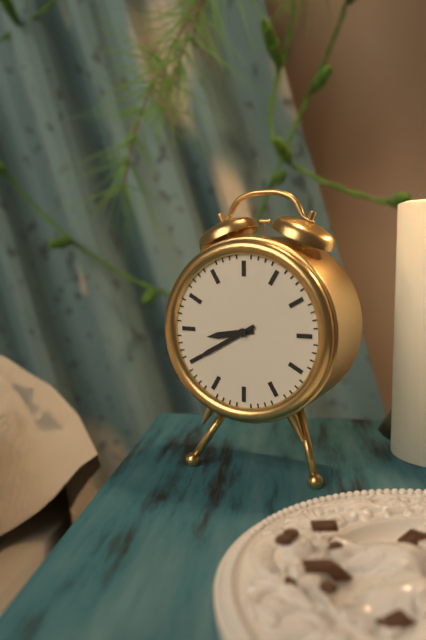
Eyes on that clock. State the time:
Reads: 8:40
